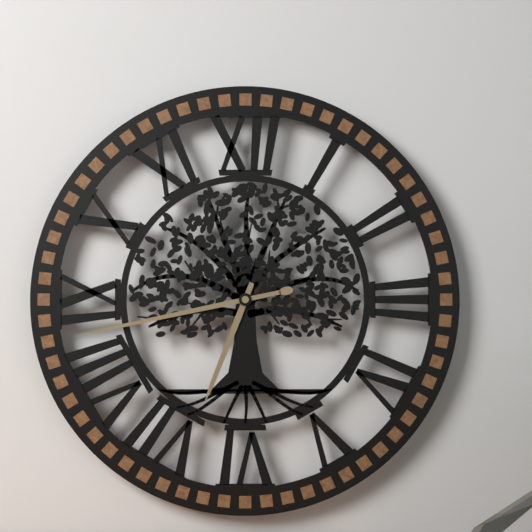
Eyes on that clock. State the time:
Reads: 6:43
